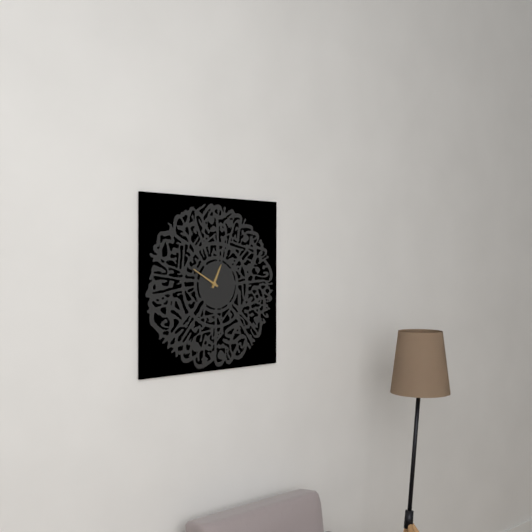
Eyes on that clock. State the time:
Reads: 12:50
